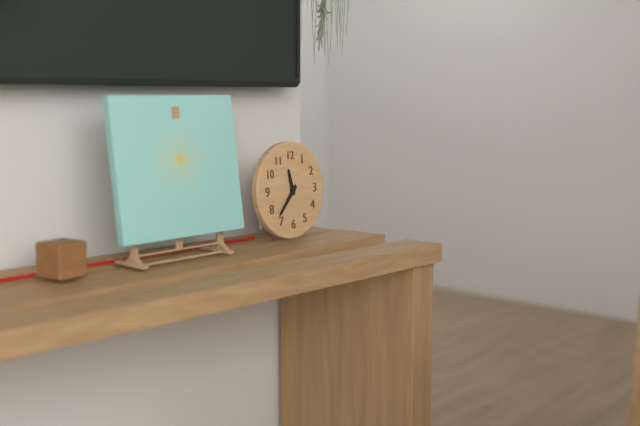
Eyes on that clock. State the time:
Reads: 11:37
